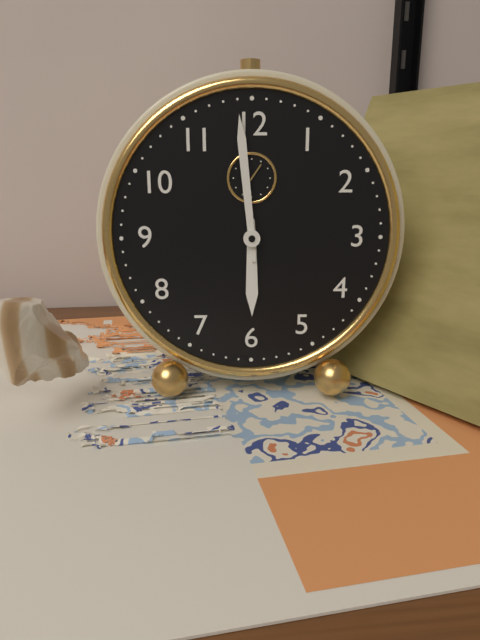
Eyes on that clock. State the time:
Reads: 5:59
